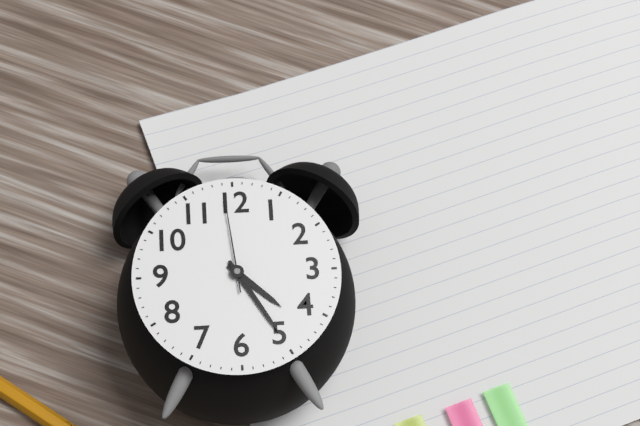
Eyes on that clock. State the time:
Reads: 4:25:59
